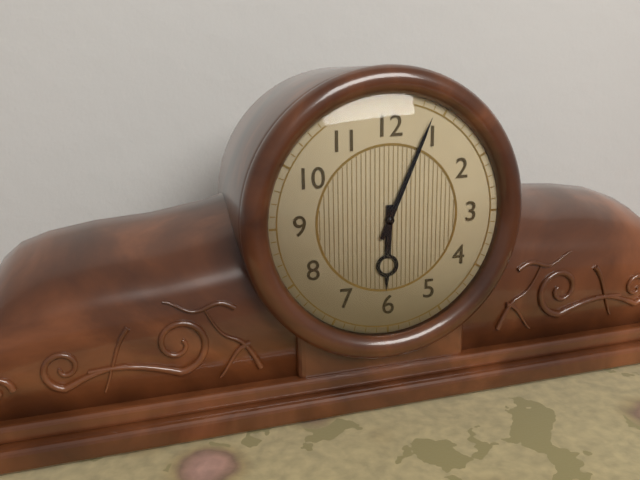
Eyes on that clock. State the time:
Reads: 6:04
